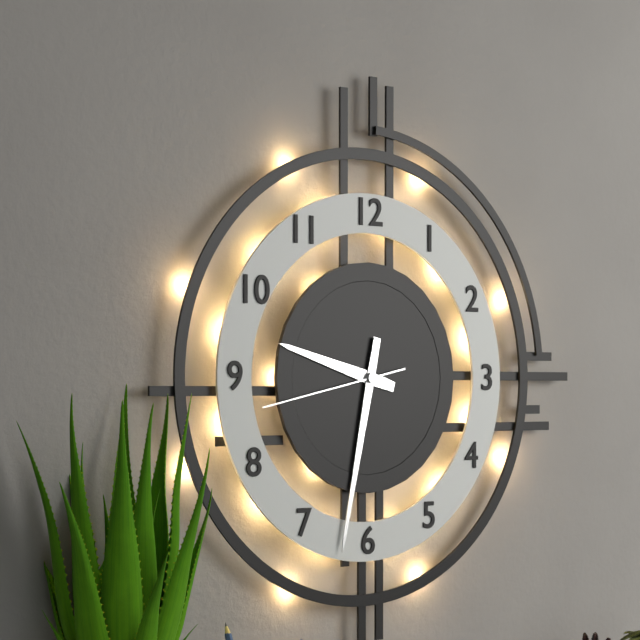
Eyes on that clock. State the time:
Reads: 9:32:43
